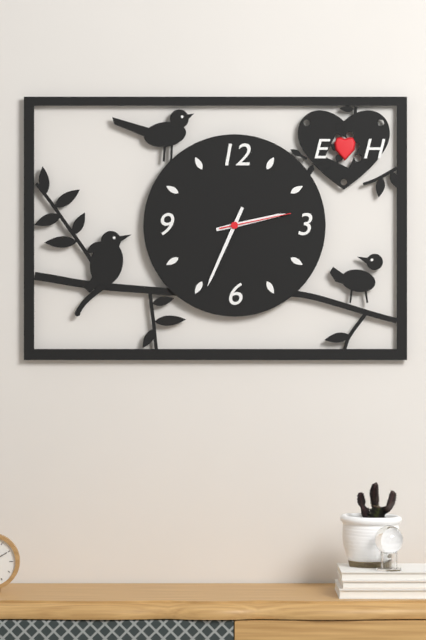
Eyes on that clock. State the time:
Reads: 2:34:13
